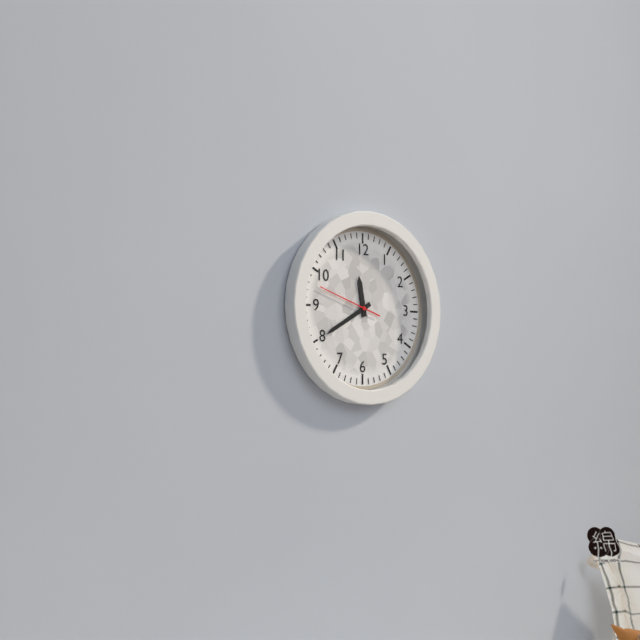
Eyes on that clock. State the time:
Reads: 11:40:48
